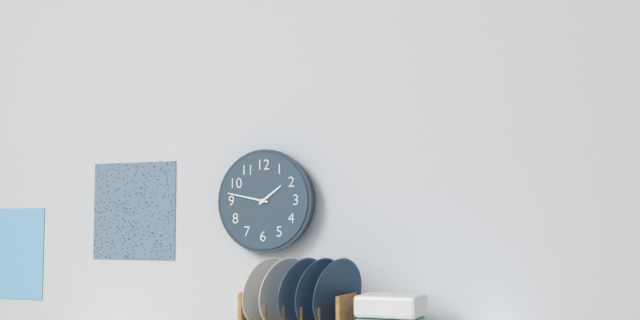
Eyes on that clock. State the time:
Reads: 1:47
